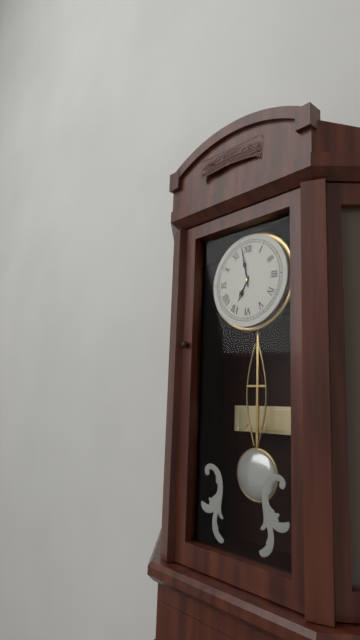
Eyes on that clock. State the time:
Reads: 6:58
